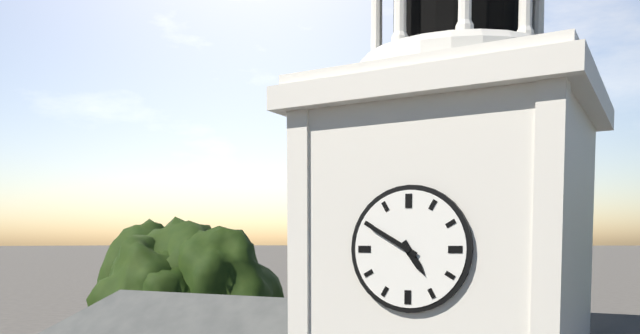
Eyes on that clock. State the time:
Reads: 4:50
